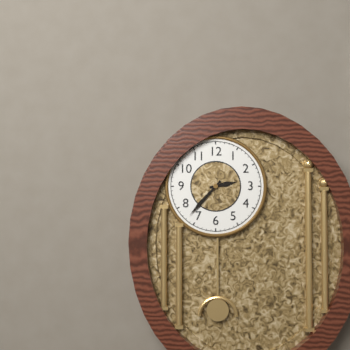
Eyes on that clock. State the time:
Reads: 2:37
